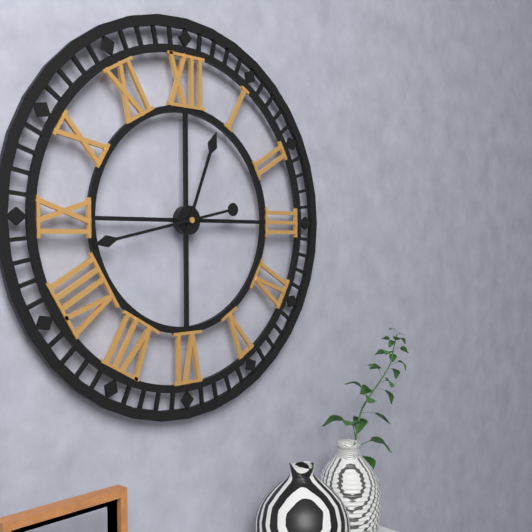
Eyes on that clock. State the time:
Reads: 12:43
